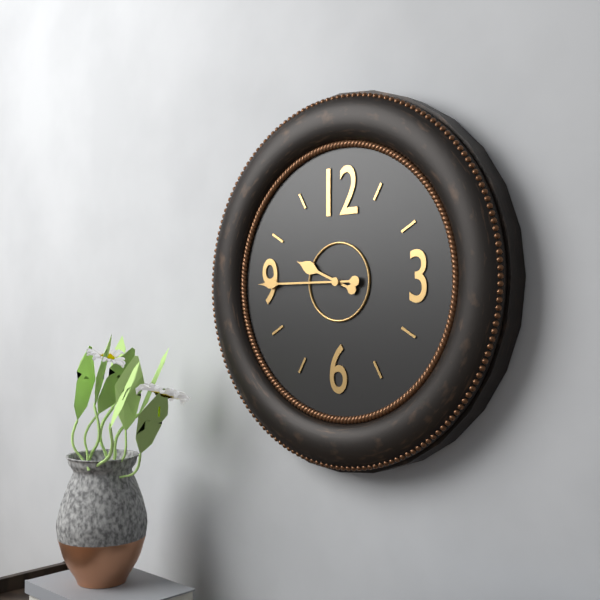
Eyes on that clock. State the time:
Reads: 9:45
